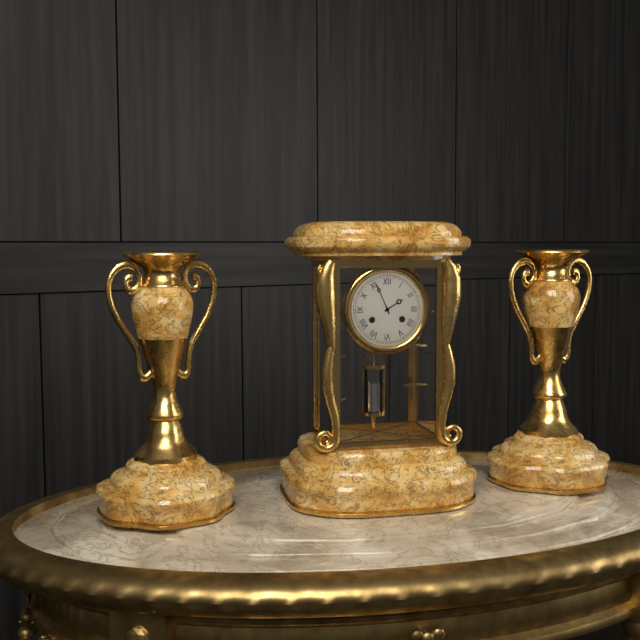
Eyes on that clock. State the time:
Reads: 1:56
